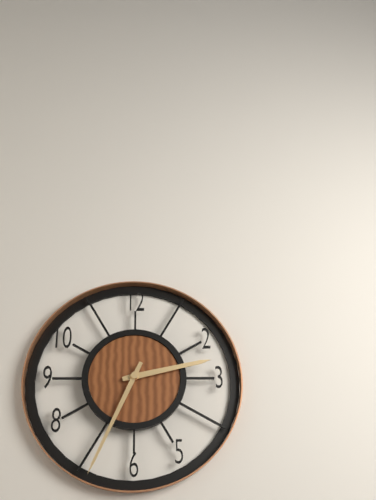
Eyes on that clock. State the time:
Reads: 2:34
